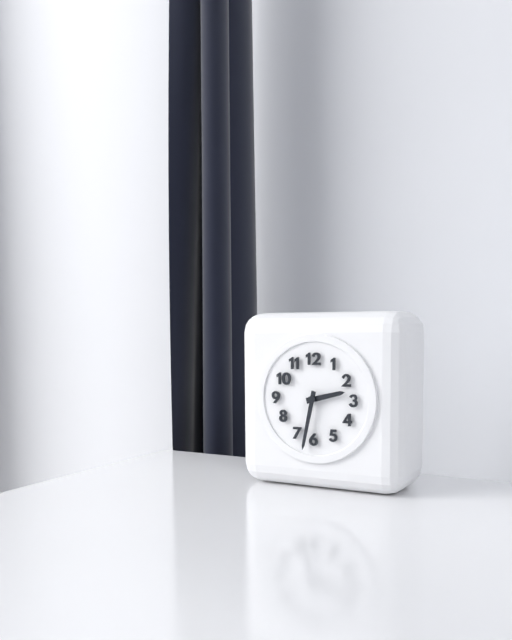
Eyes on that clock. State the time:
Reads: 2:32
